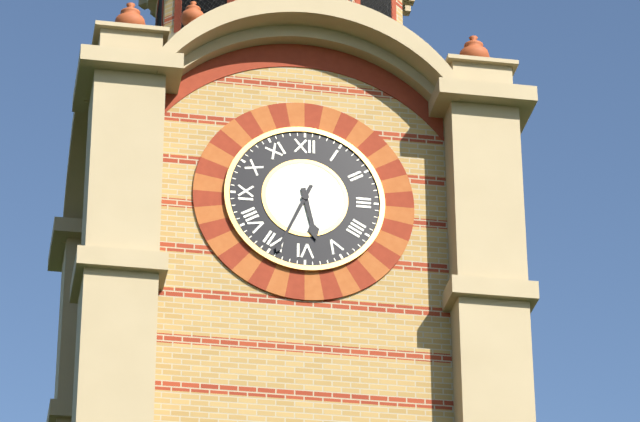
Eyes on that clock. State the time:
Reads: 5:34
